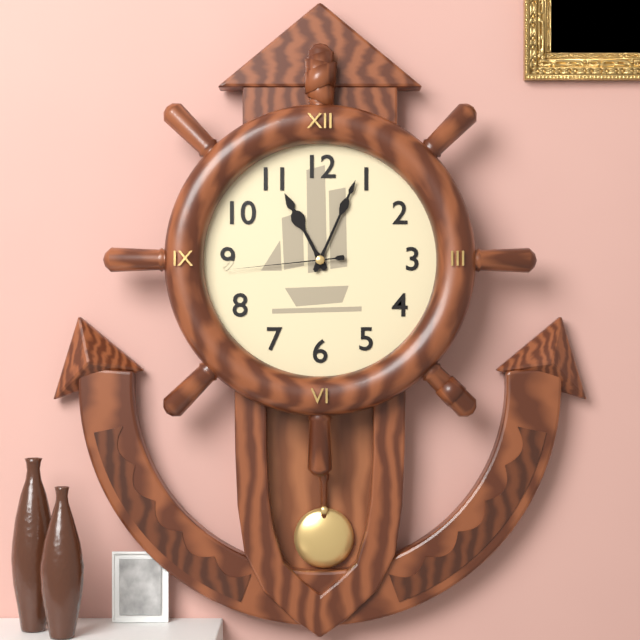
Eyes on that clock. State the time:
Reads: 11:04:44
